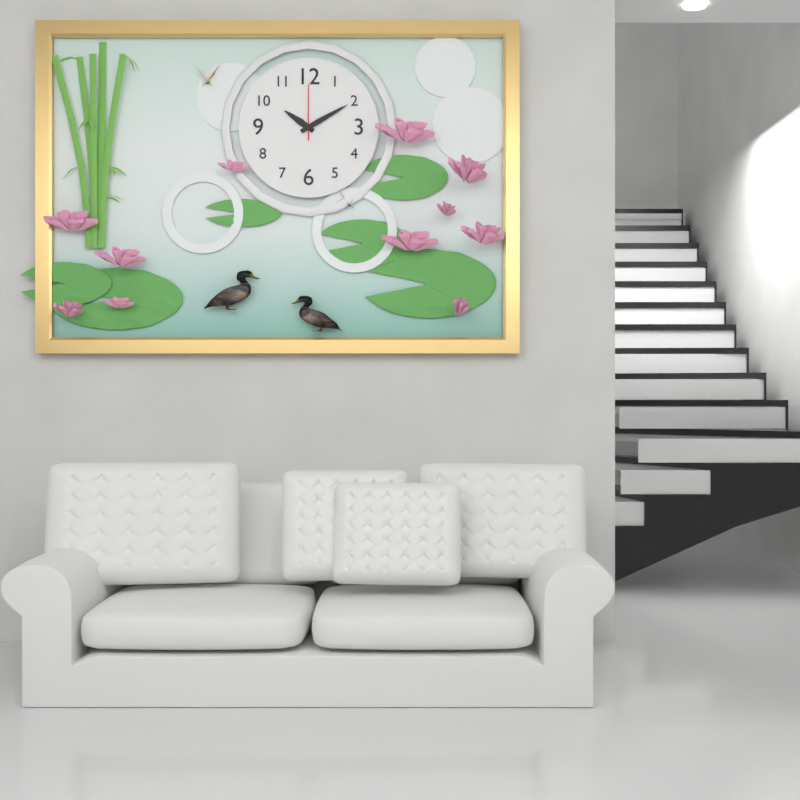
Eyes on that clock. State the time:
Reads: 10:10:00
